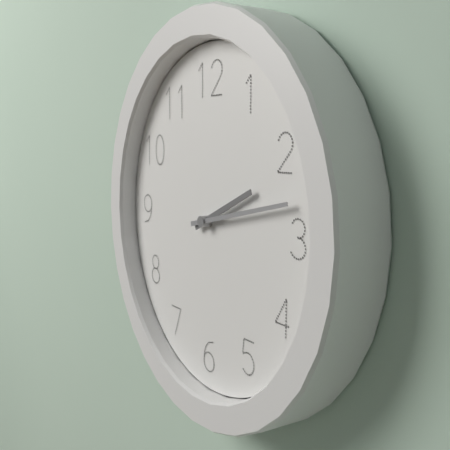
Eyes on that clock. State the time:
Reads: 2:13
